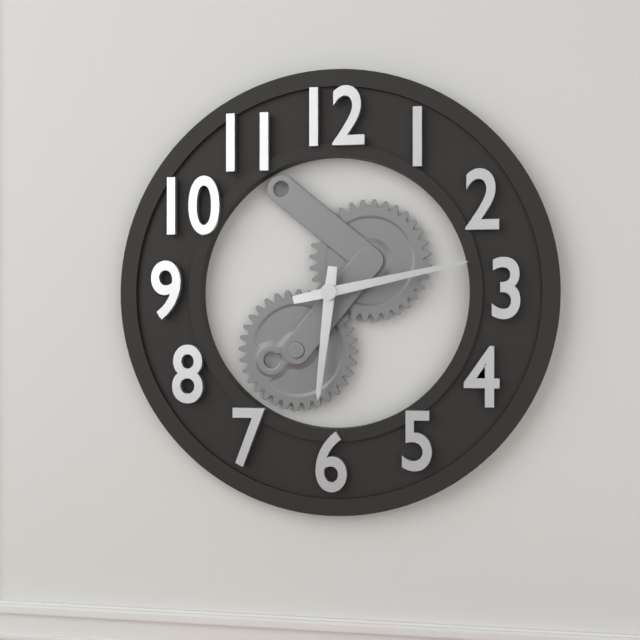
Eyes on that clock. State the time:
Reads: 6:13
